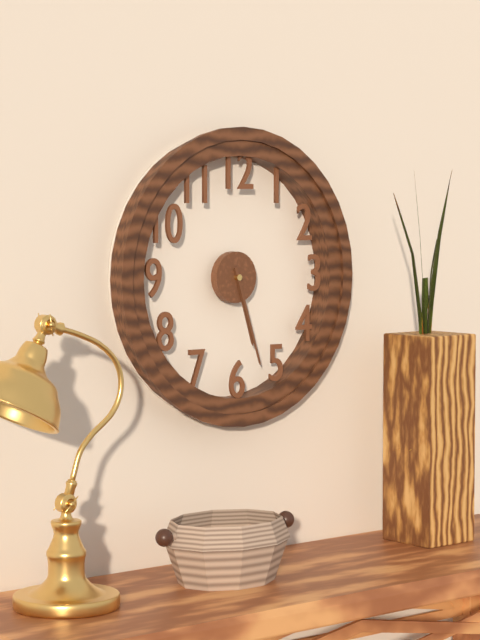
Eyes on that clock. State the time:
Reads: 5:27
